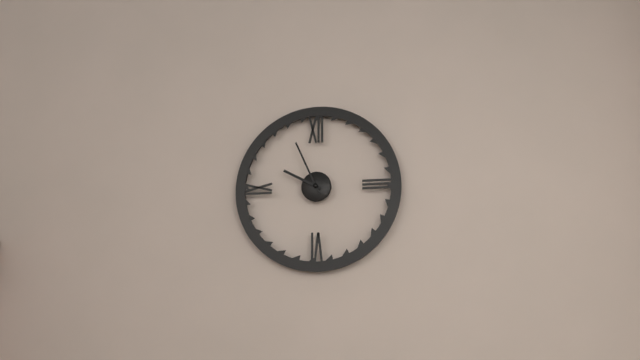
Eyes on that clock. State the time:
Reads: 9:56
